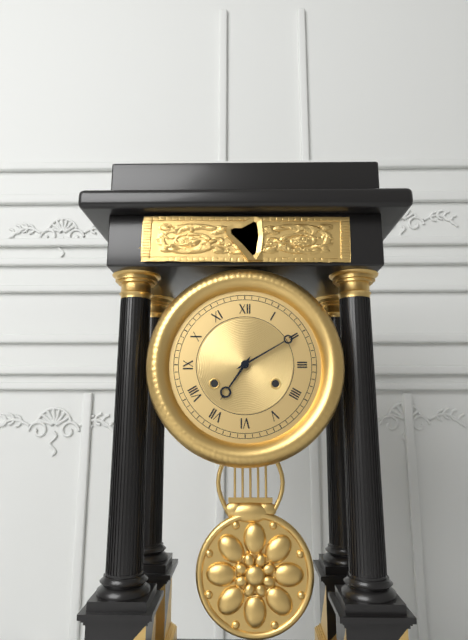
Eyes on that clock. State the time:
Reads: 7:10
